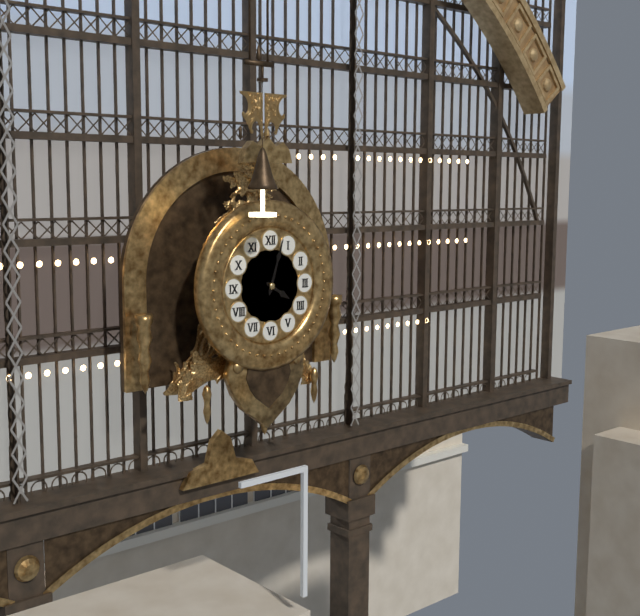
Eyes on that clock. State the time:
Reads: 4:03
